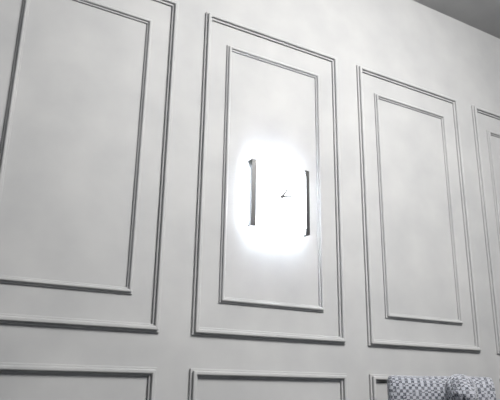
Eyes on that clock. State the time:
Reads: 1:13
